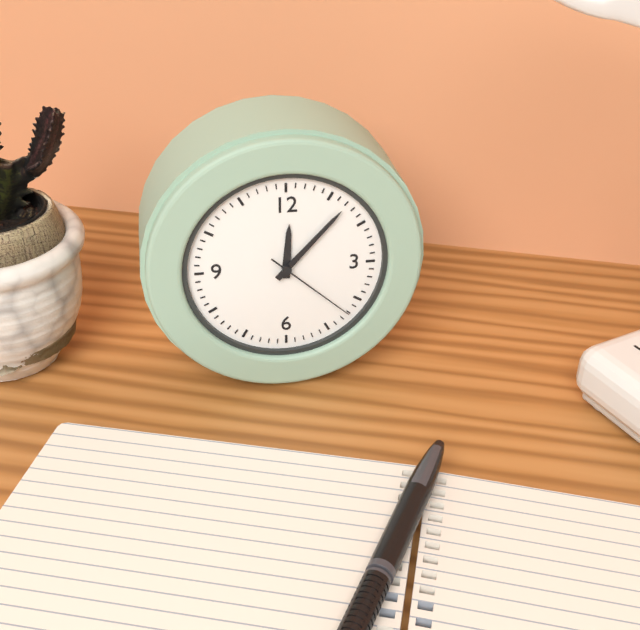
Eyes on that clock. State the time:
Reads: 12:07:22
